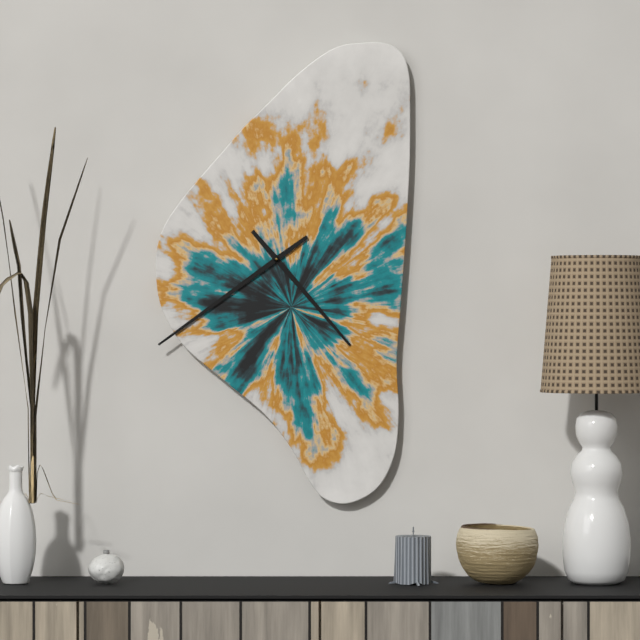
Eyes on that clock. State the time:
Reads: 4:39
